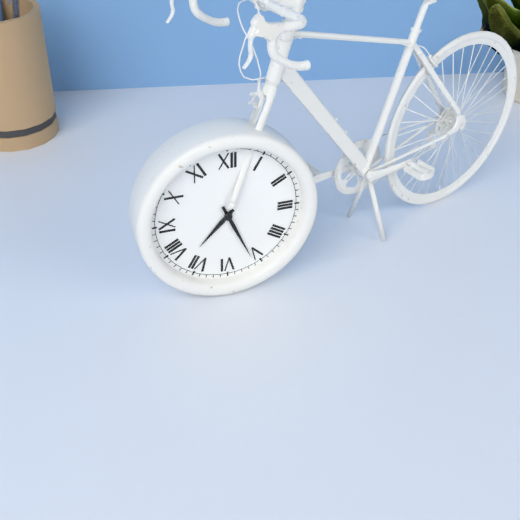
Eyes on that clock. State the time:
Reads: 7:26
